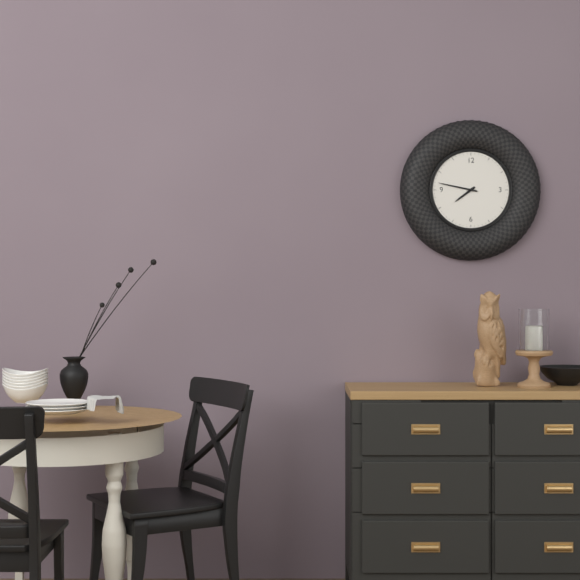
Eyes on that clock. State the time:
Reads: 7:47
